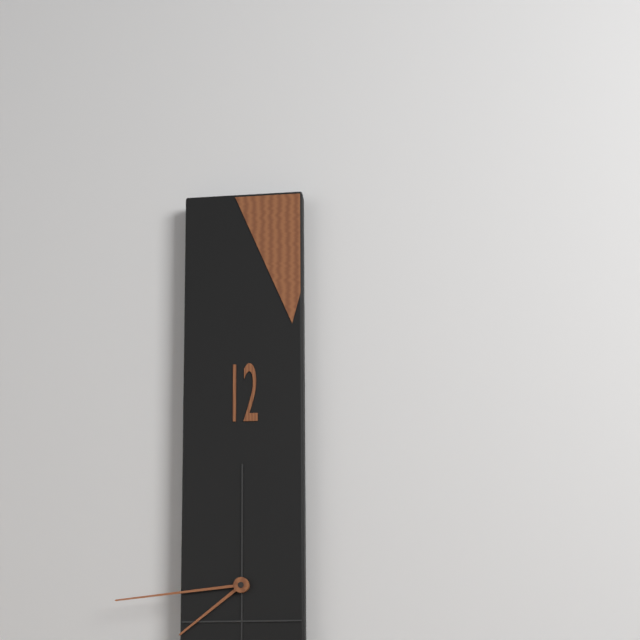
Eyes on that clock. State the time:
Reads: 7:44
